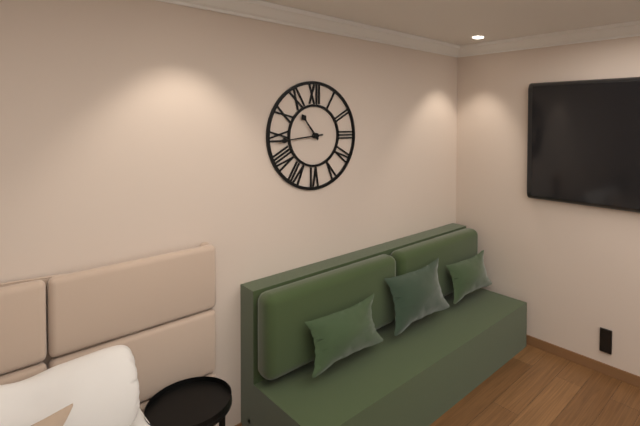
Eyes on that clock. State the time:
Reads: 10:44
